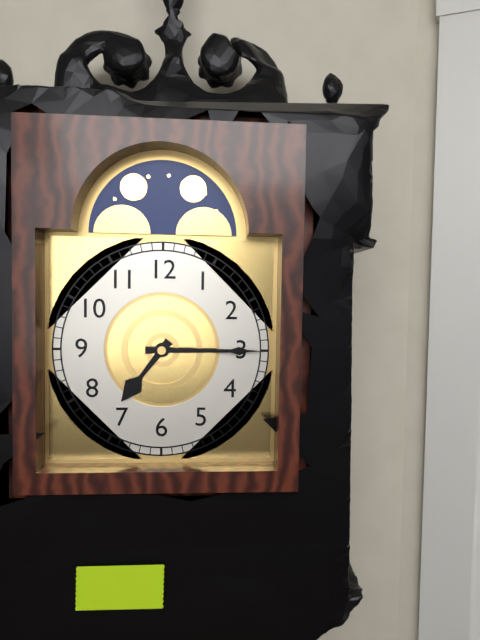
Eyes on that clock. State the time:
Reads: 7:15
